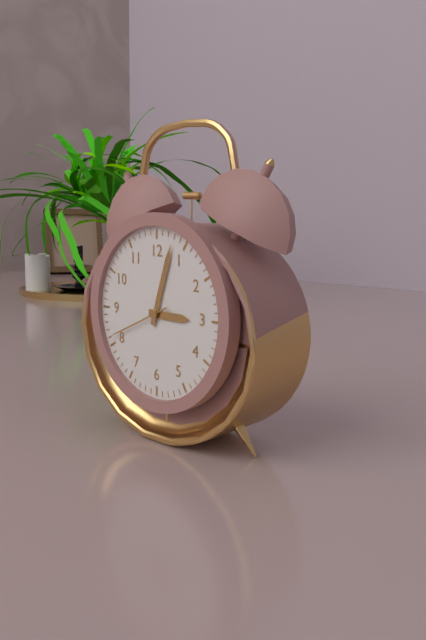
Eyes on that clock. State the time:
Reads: 3:03:41
